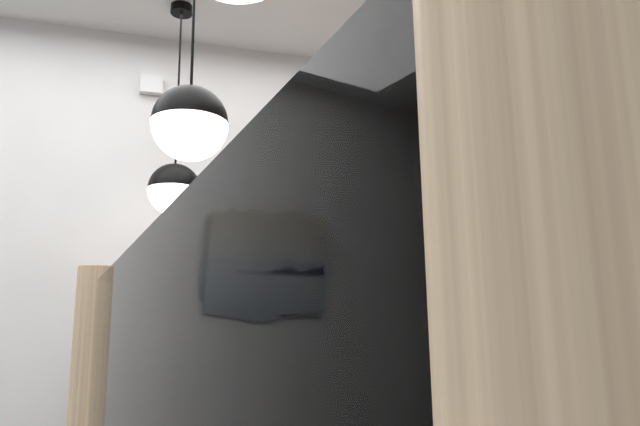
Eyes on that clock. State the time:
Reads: 9:58
